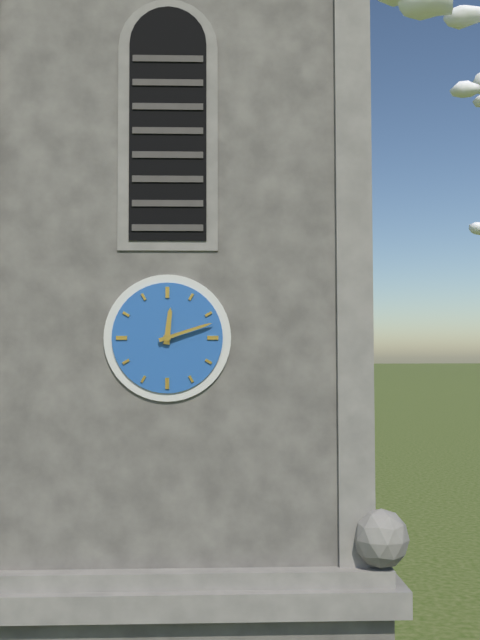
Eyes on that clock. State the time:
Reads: 12:12
